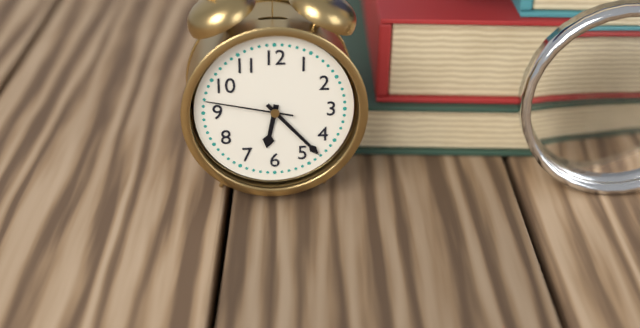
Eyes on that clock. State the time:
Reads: 6:23:47
